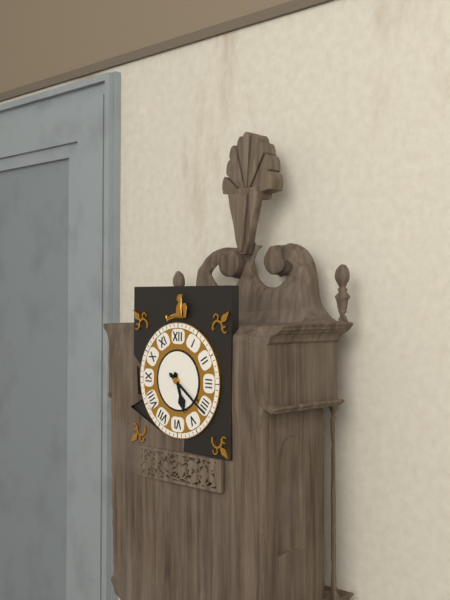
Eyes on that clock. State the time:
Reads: 5:21
